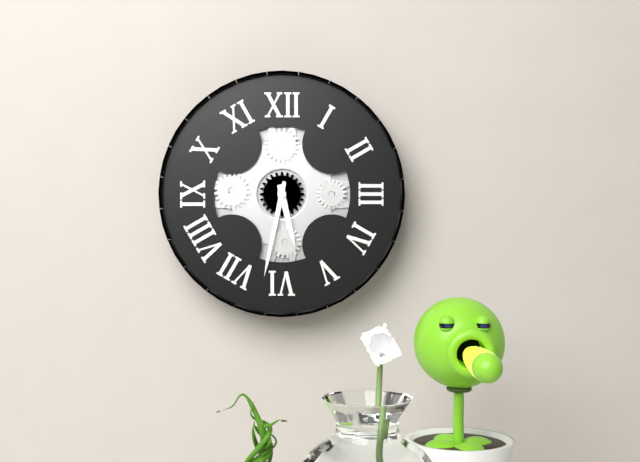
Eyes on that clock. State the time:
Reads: 5:32
